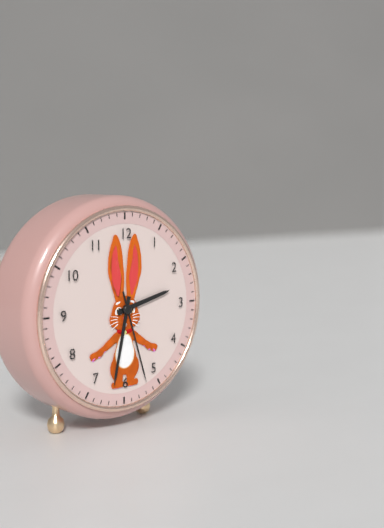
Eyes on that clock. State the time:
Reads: 2:32:27
